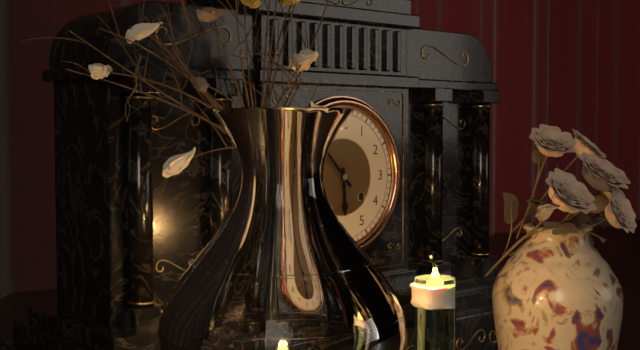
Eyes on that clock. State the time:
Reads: 5:53
